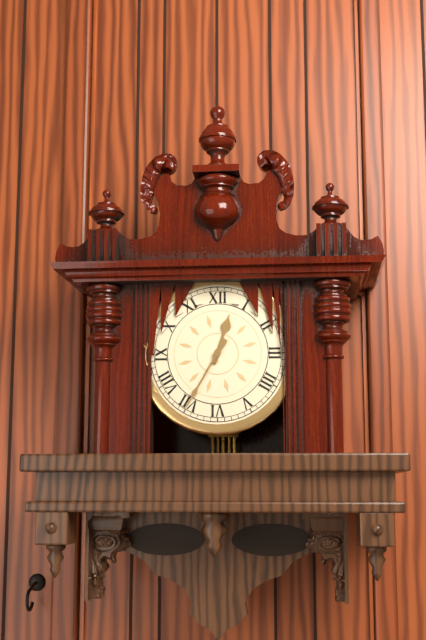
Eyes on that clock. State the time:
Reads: 12:35
